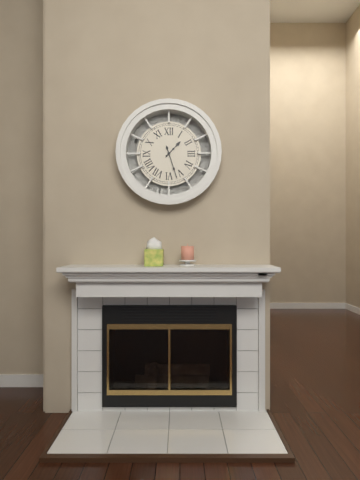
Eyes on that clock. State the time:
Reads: 1:27
